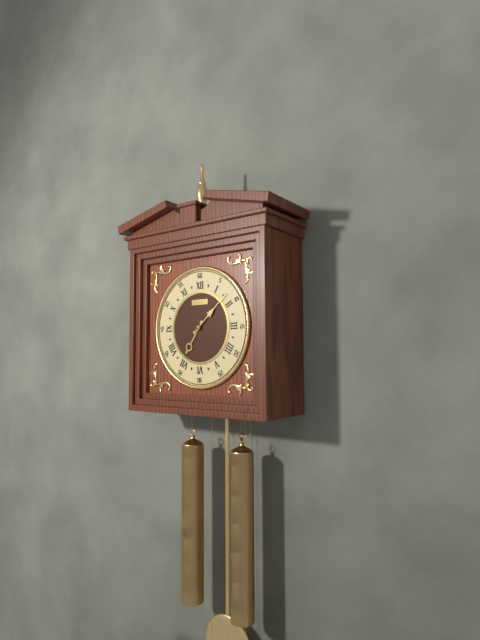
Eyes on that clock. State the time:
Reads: 7:08
